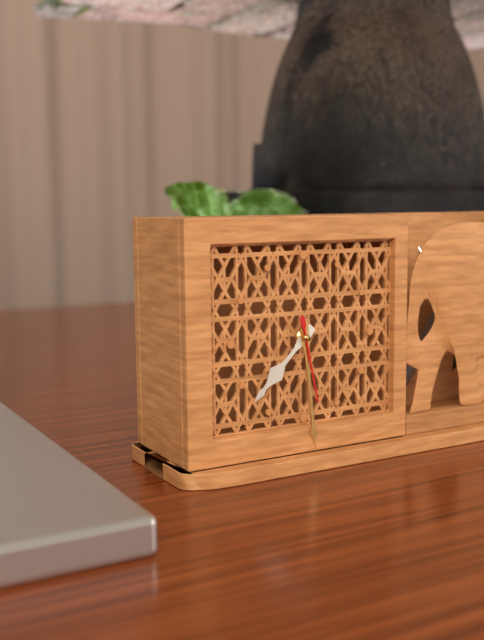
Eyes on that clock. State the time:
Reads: 7:29:28
